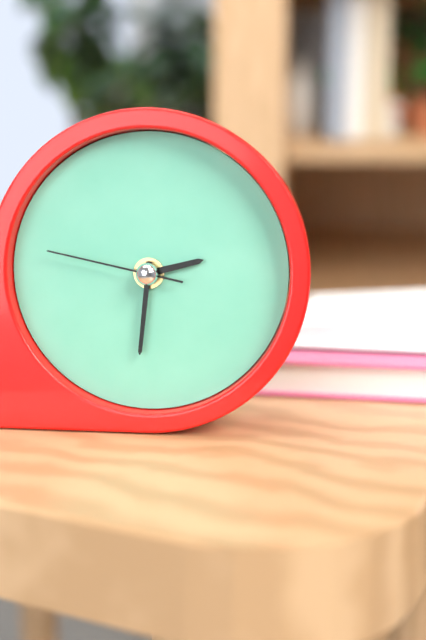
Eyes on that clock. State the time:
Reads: 2:31:47
